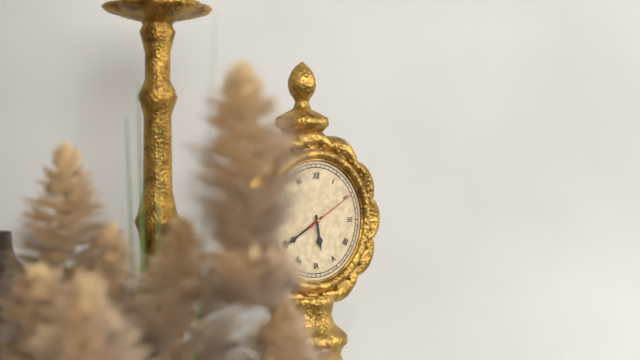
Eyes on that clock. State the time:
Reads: 5:40:10
